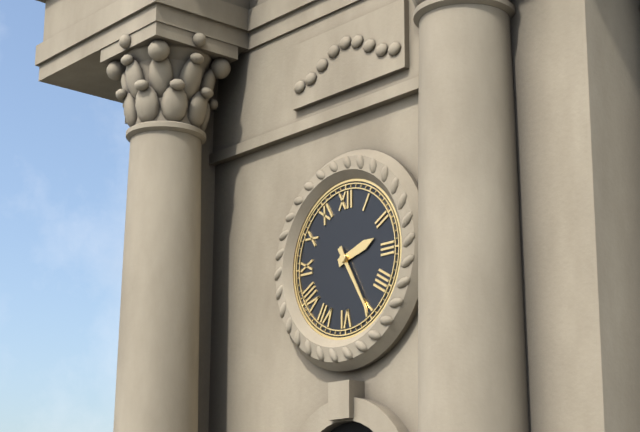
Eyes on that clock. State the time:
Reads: 2:25
